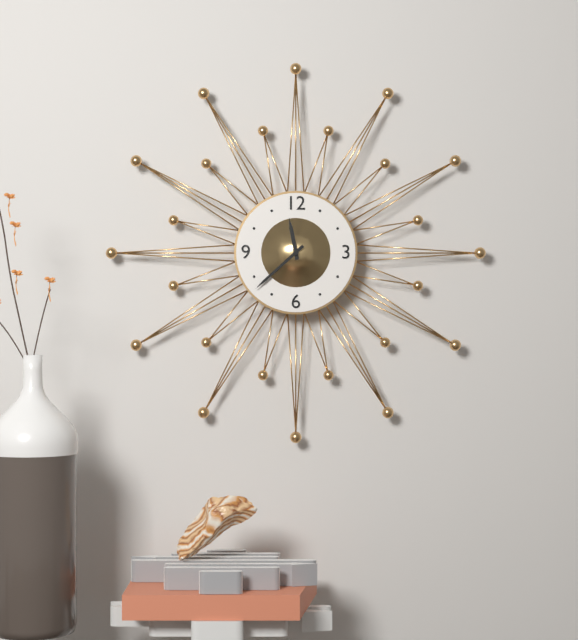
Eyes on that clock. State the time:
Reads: 11:38
